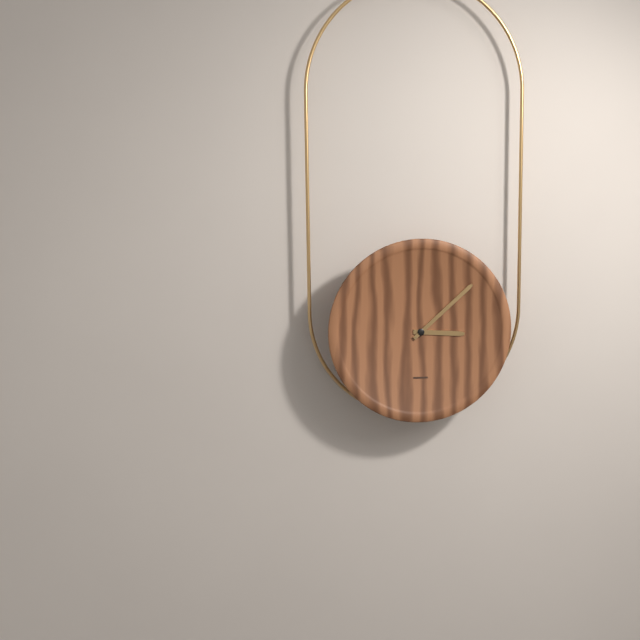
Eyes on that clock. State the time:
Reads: 3:08
